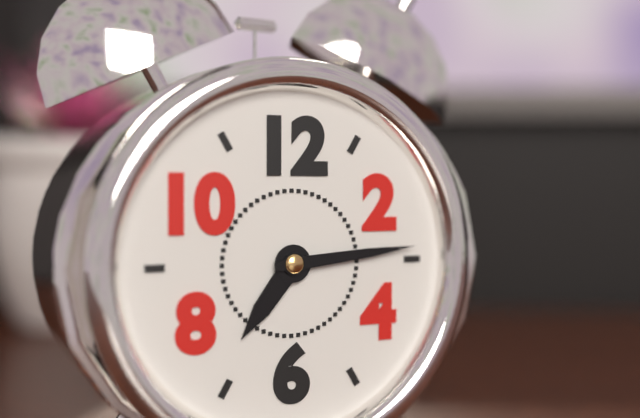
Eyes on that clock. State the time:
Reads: 7:14
